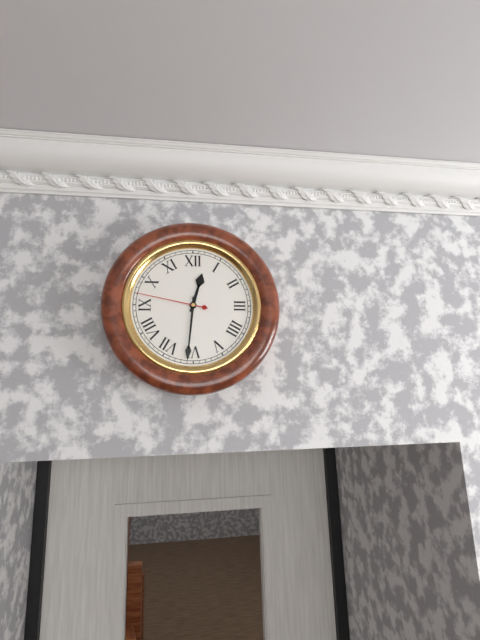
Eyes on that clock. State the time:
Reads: 12:31:47
